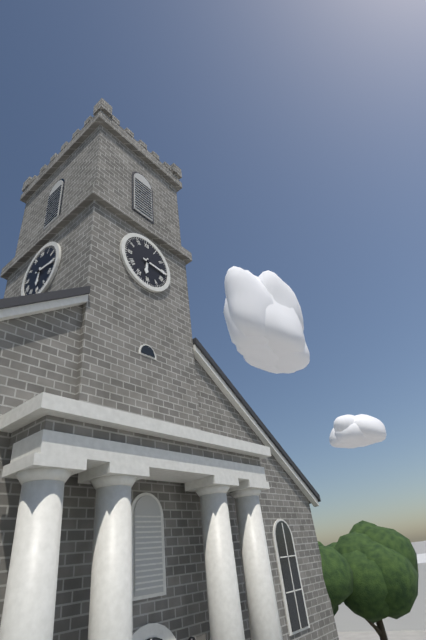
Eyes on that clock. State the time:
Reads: 6:16
